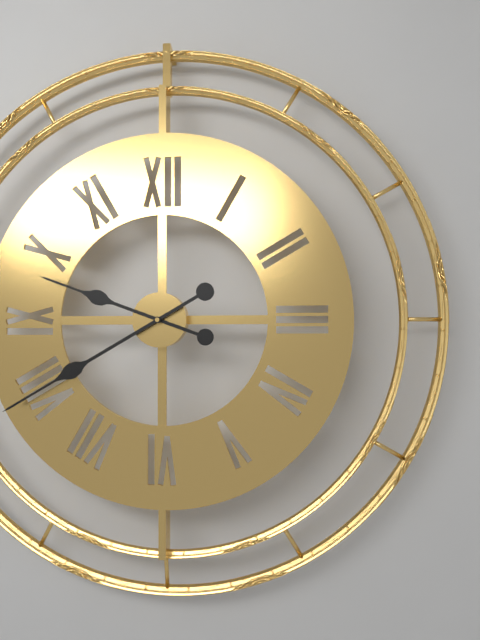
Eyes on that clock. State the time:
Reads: 9:40
